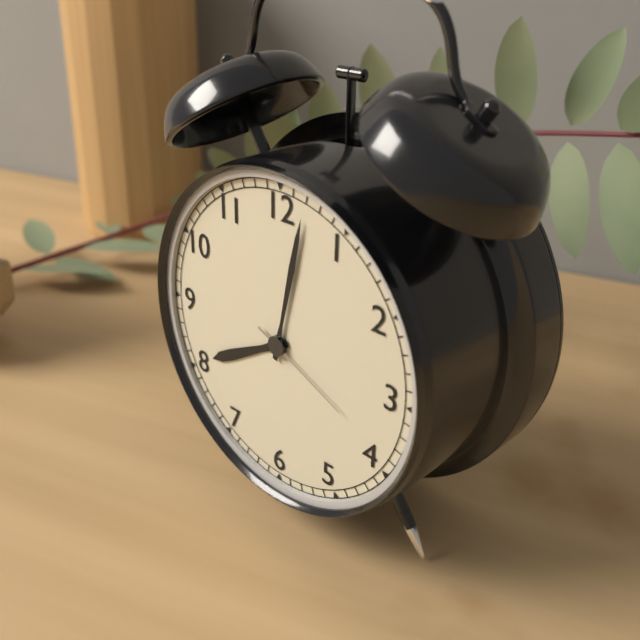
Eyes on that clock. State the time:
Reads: 8:02:19
